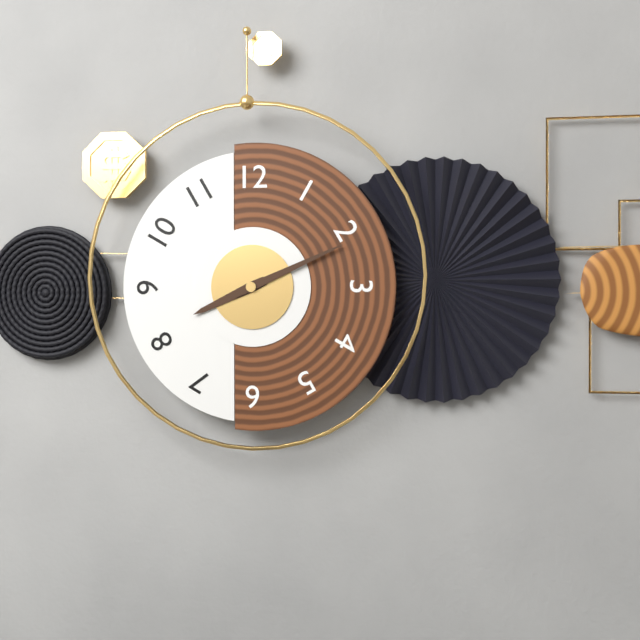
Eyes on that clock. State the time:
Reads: 8:11
